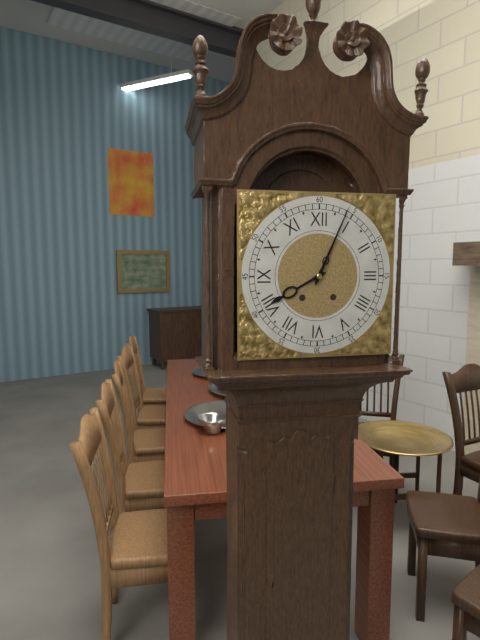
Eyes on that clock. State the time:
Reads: 8:04
